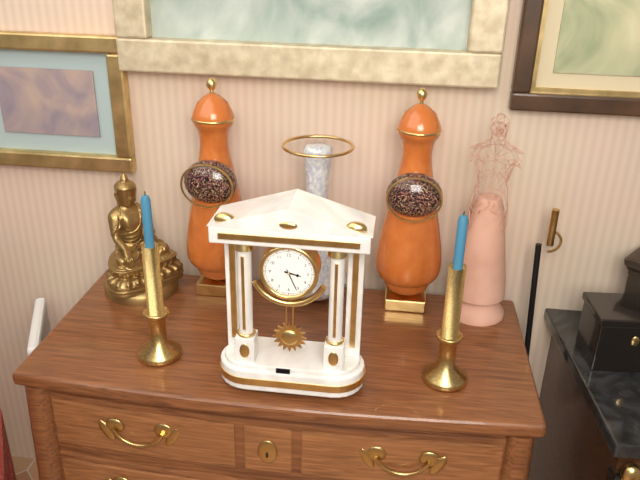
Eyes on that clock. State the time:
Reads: 3:26
